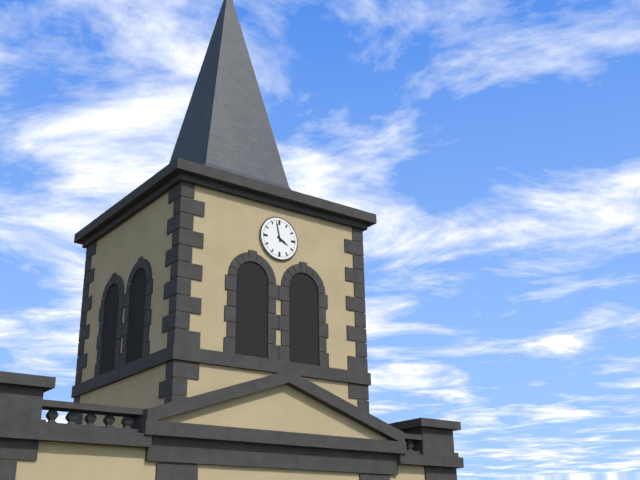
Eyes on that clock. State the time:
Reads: 3:58
